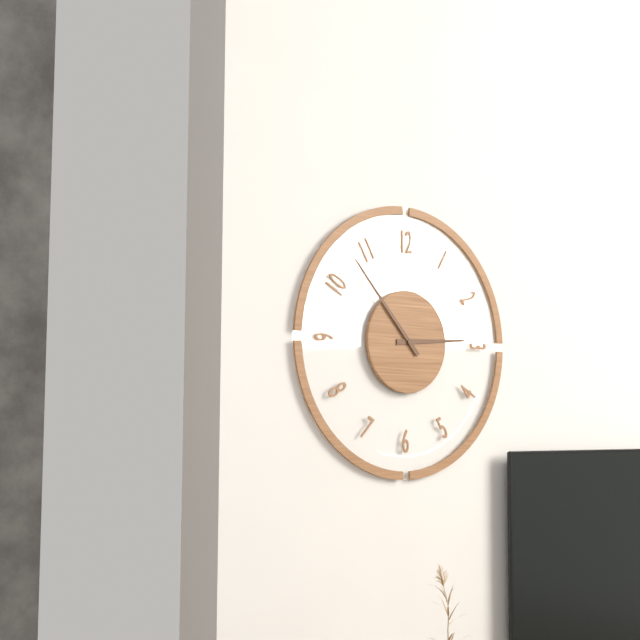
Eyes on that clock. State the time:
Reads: 2:53
